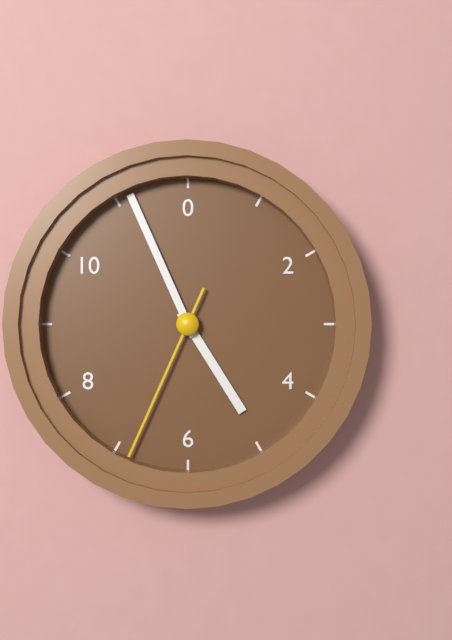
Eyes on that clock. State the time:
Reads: 4:56:34
